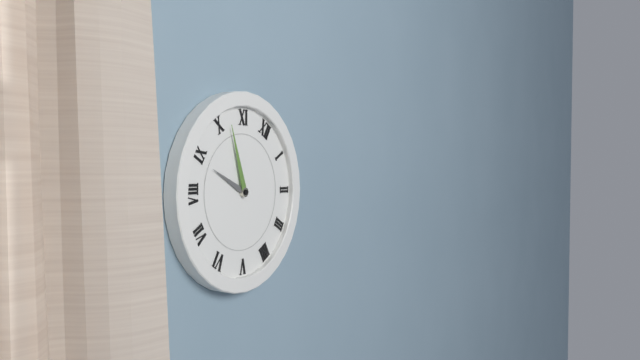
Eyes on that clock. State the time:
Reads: 8:52
